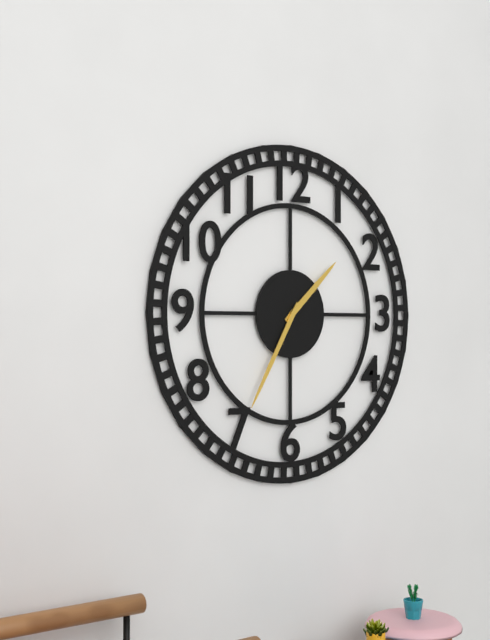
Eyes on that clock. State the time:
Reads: 1:35
